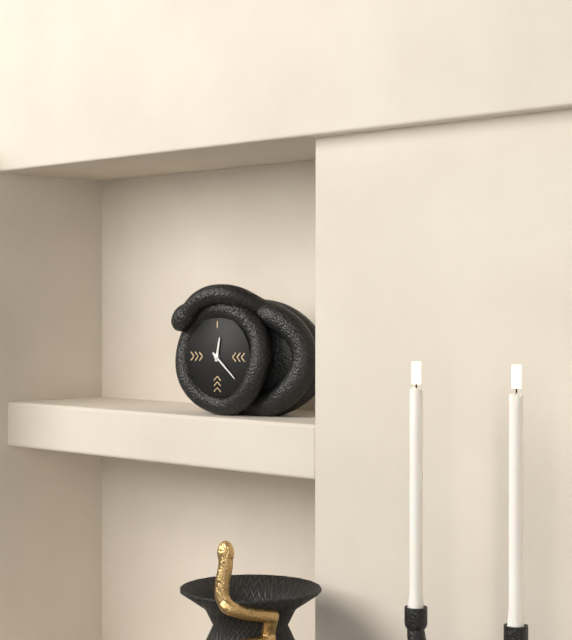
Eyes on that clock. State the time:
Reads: 12:22
